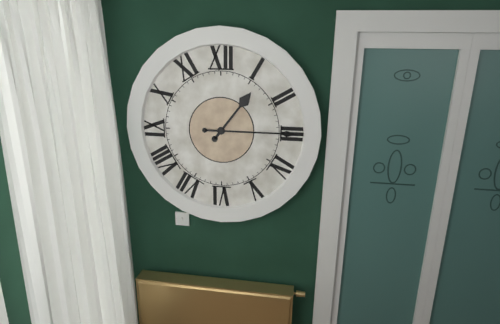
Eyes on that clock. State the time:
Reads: 1:15
